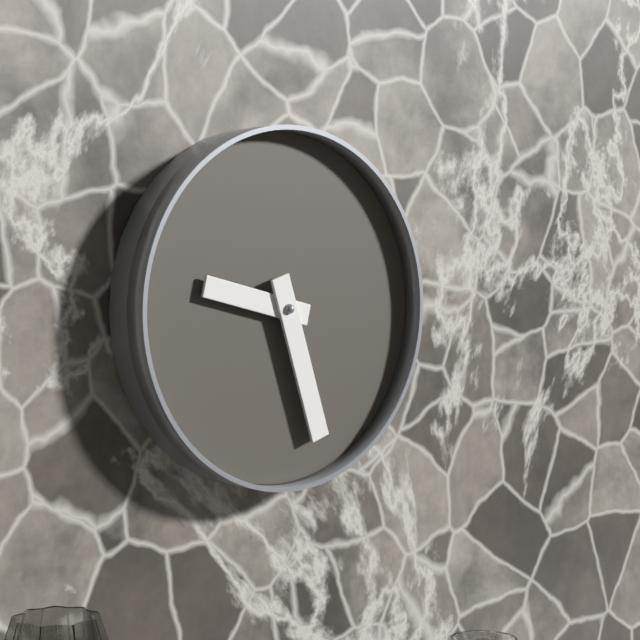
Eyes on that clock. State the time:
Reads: 9:27
